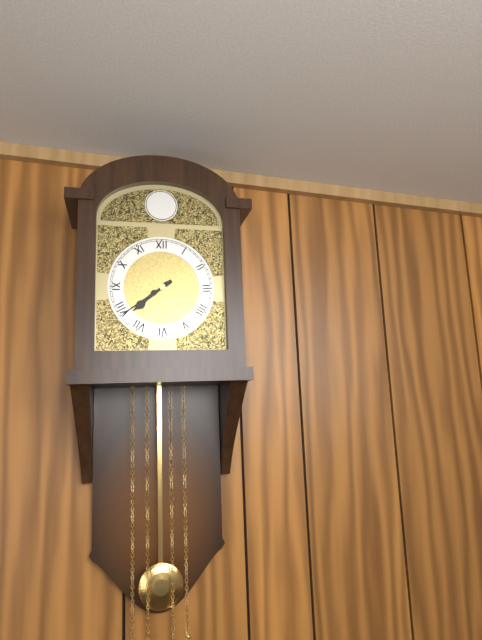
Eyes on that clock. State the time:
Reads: 7:39
